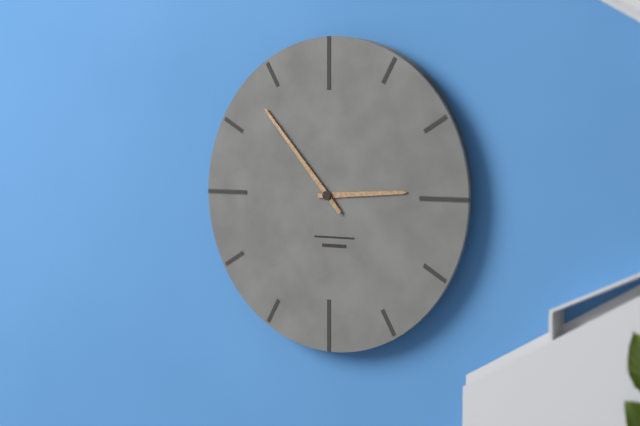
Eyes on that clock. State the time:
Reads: 2:53
